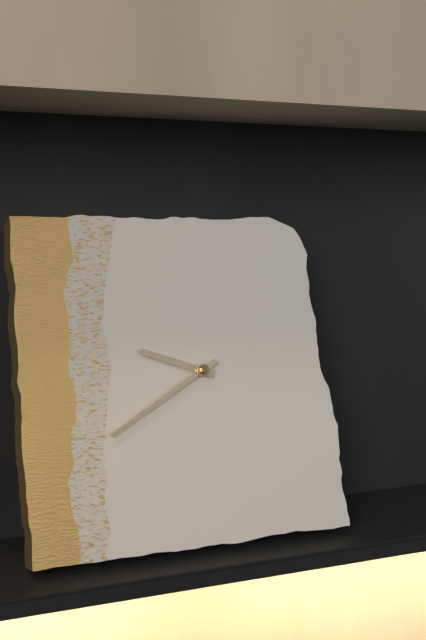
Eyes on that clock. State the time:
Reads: 9:40
